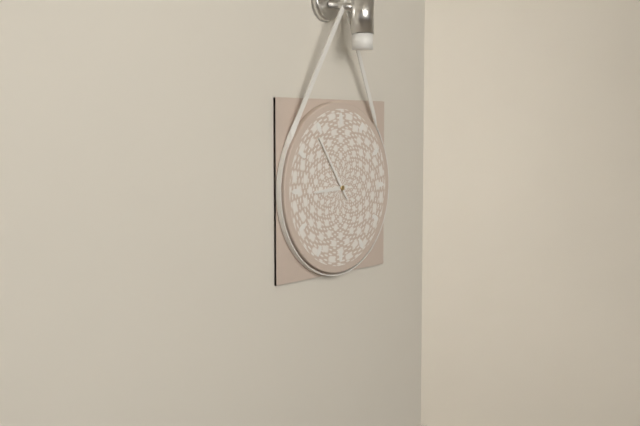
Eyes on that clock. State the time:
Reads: 8:54
